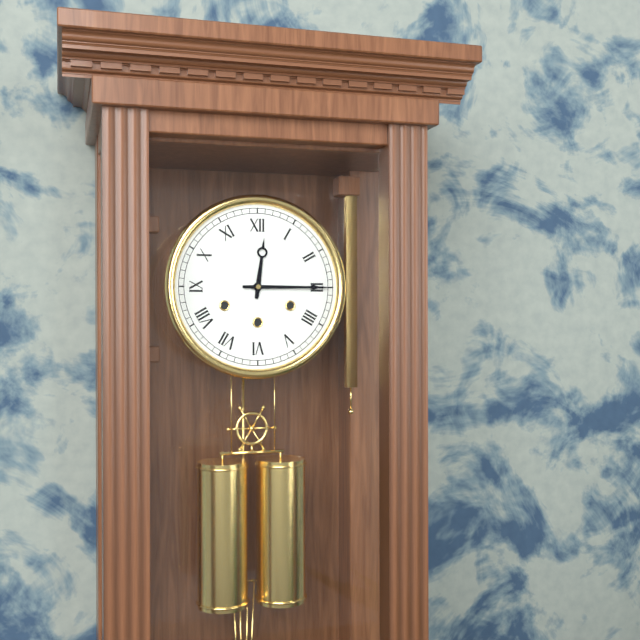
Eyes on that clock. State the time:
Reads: 12:15
